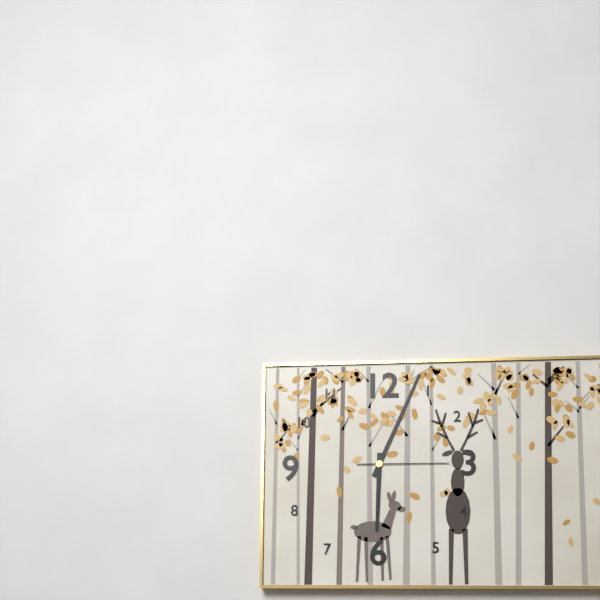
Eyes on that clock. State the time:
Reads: 6:04:15
